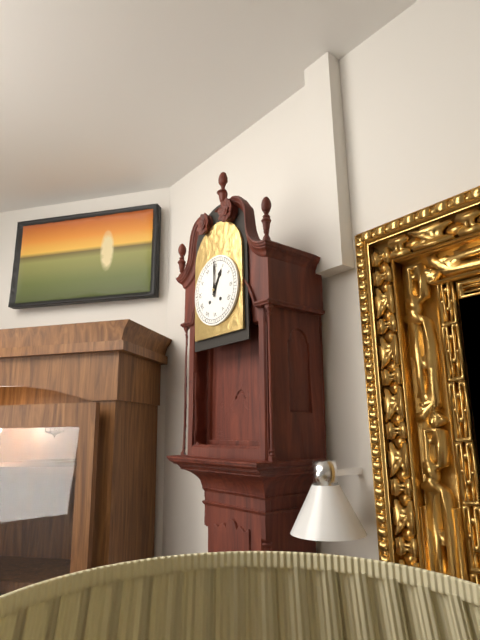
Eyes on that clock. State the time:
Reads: 1:00
